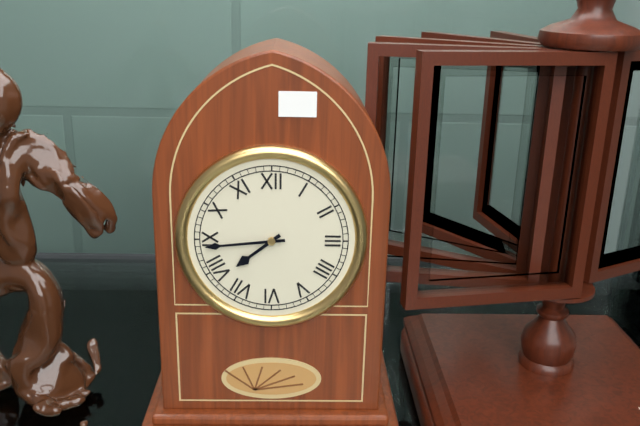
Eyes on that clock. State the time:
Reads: 7:44
